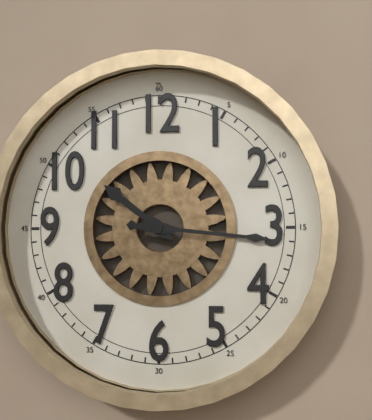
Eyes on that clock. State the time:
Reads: 10:16
